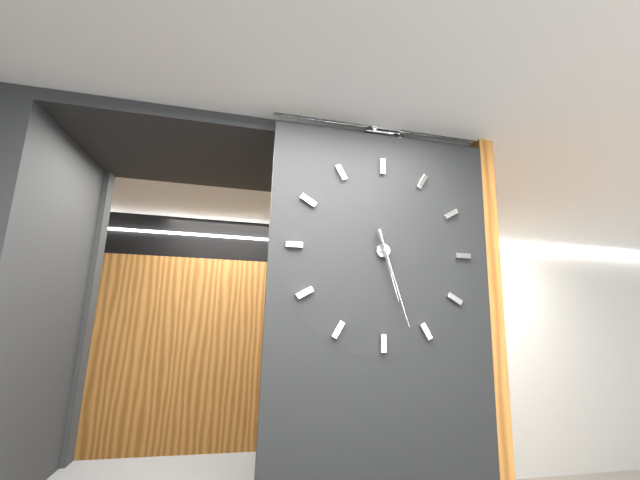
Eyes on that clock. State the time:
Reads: 5:27
